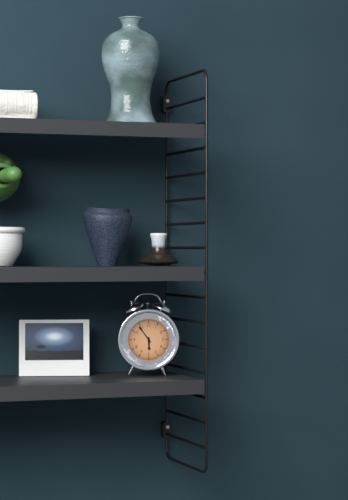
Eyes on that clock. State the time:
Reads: 5:54
